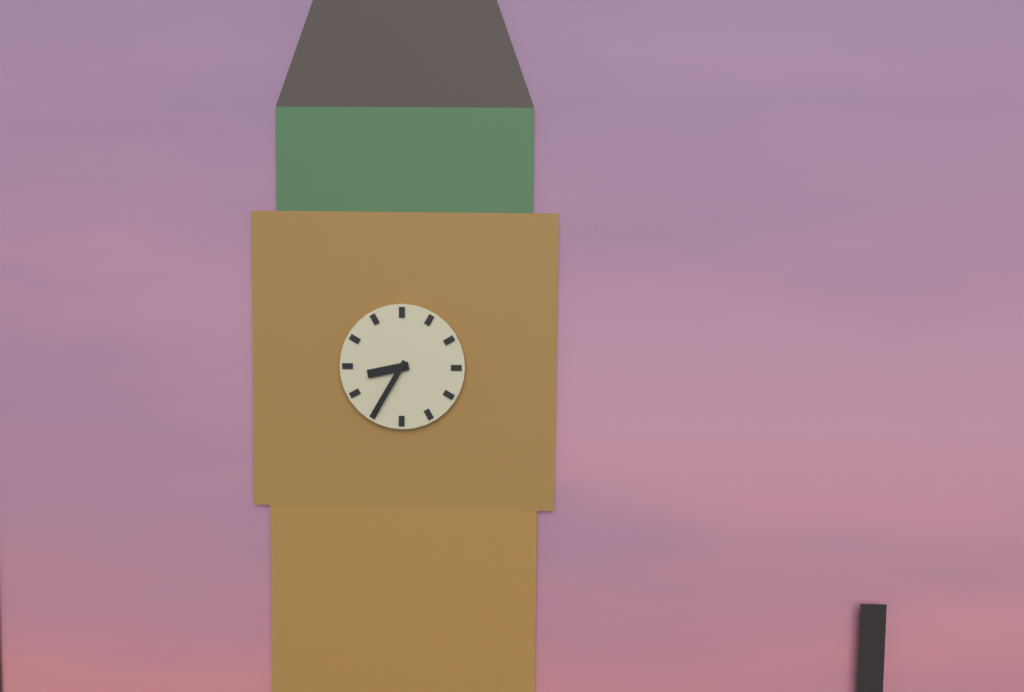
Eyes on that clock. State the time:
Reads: 8:35
